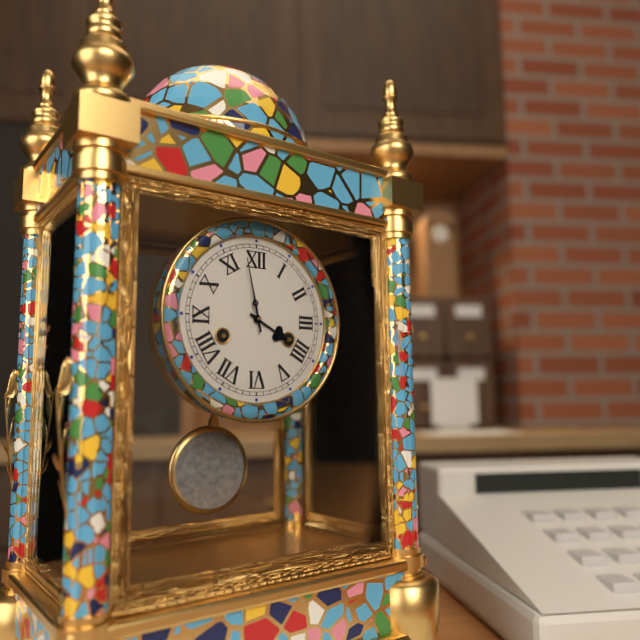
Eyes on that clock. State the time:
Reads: 3:58
